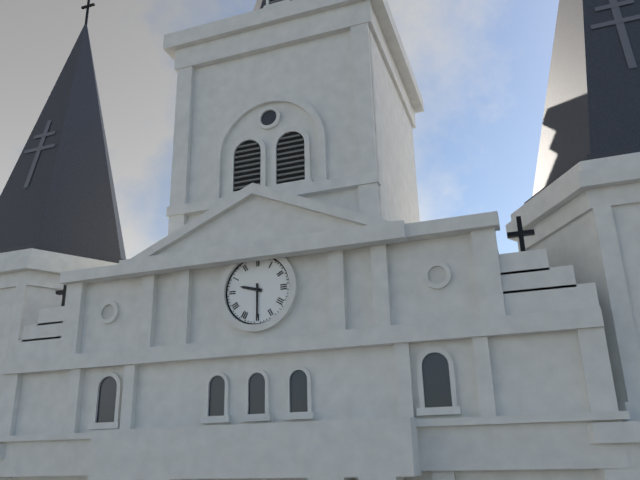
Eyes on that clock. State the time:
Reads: 9:30
